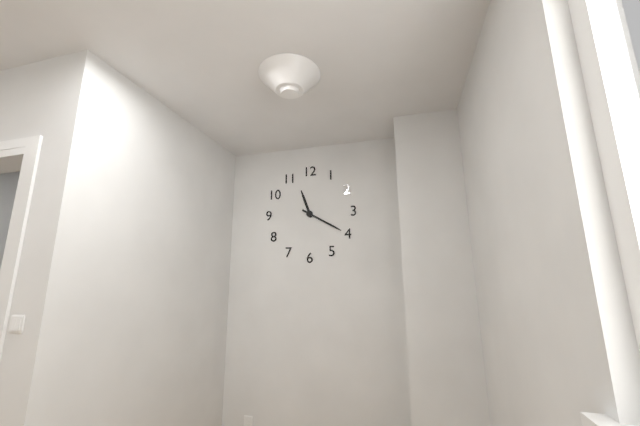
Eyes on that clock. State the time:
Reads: 11:20
